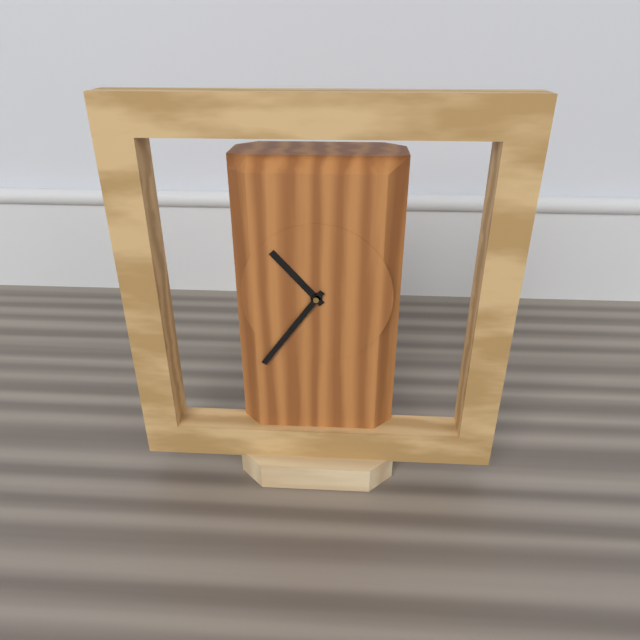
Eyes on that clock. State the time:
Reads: 10:36
